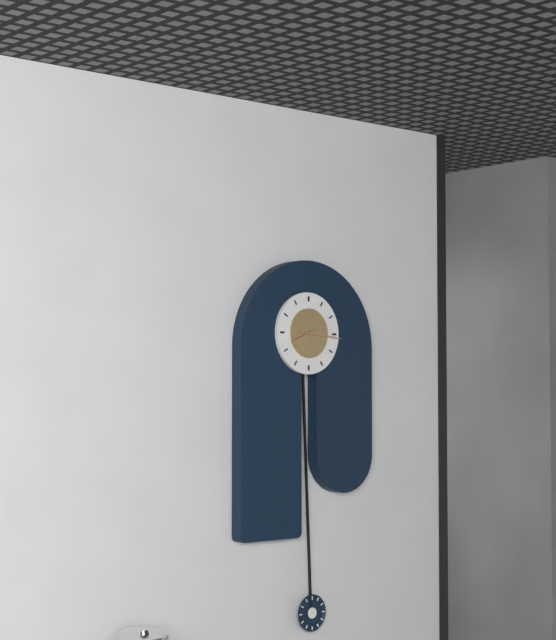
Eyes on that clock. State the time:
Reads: 8:16
